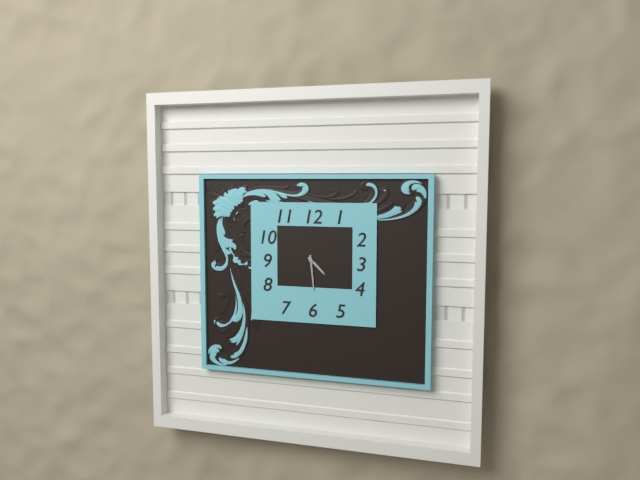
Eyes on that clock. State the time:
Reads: 4:29
